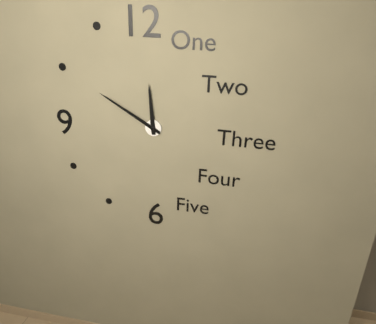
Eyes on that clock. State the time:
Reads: 11:50
